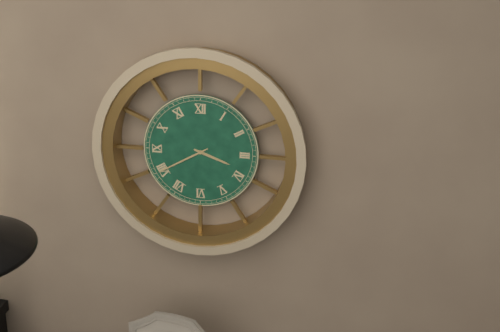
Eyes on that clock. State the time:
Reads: 3:40
